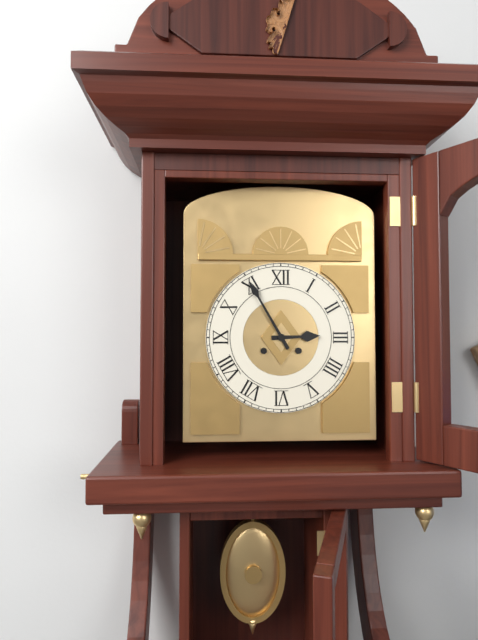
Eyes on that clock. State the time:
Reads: 2:55
